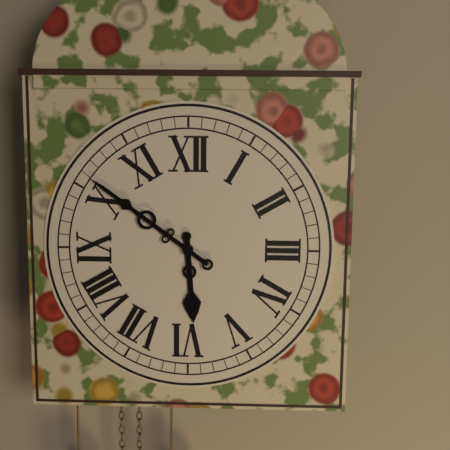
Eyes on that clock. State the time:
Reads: 5:51
